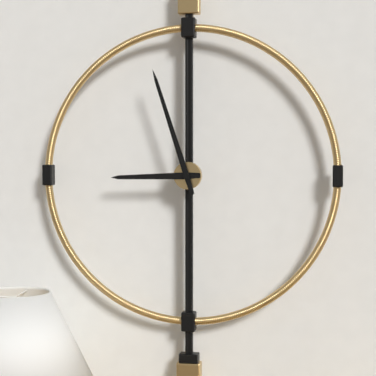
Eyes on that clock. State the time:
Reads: 8:57
